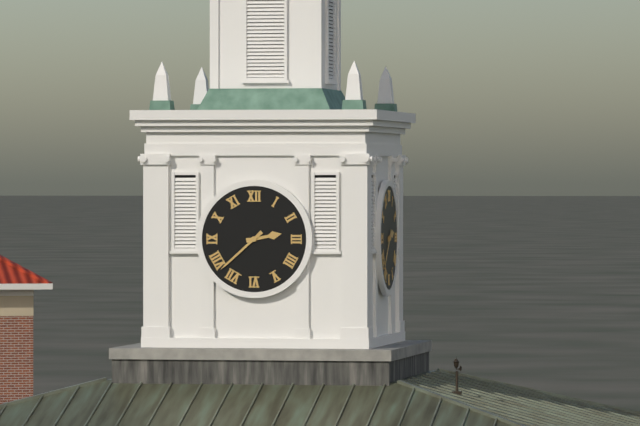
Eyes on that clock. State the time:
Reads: 2:38
